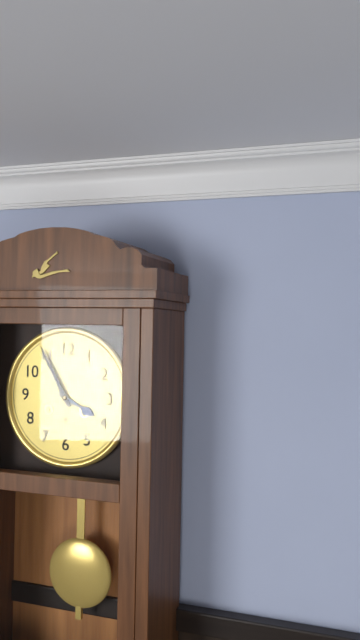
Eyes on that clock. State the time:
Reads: 3:55
